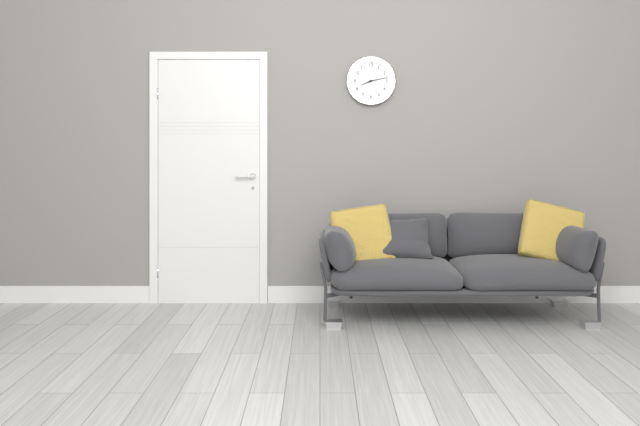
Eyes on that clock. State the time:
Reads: 8:13
